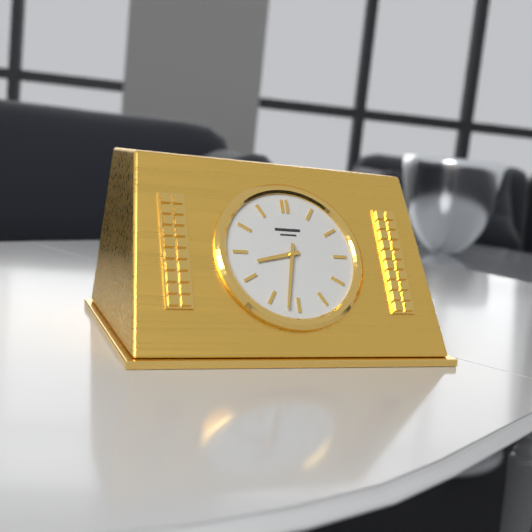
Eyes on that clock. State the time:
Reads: 8:32
